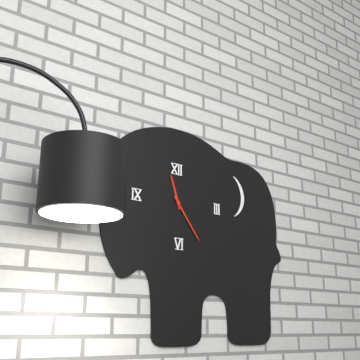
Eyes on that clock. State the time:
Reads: 11:24
